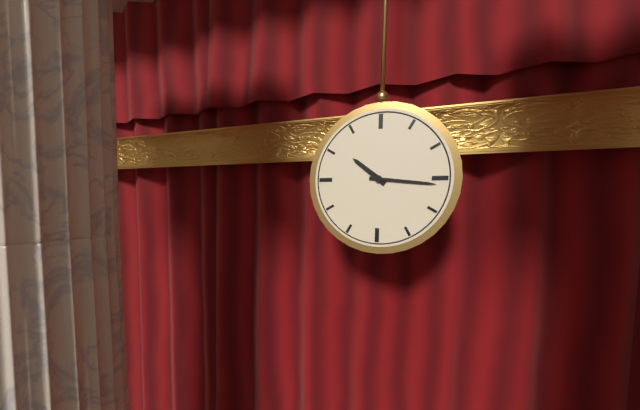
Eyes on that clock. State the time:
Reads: 10:16
